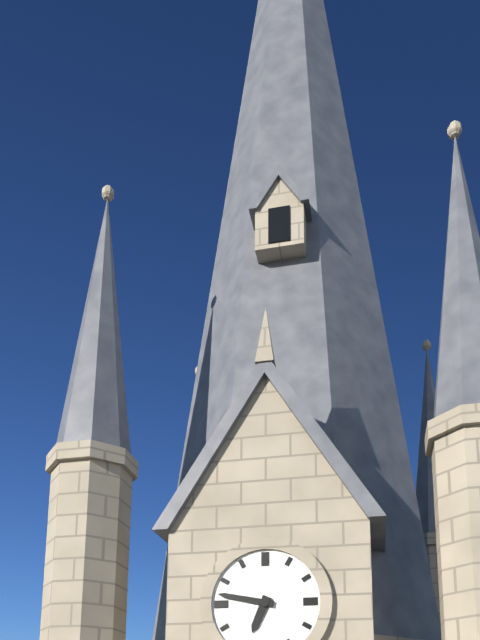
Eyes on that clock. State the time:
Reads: 6:47
